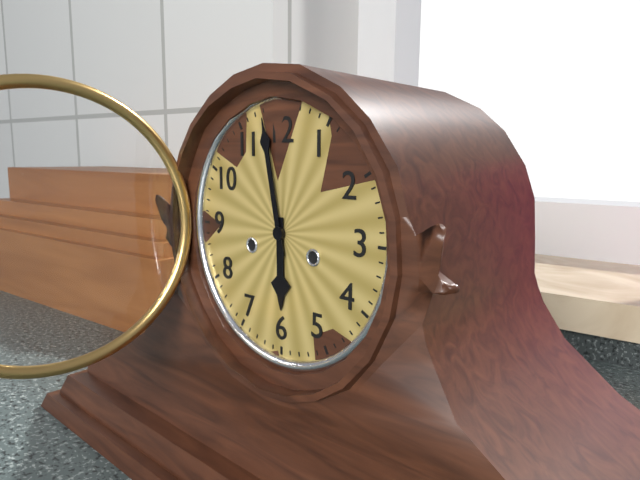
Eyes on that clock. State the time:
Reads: 5:58
